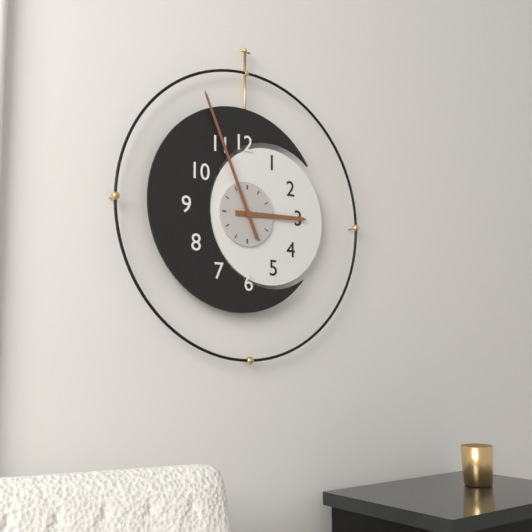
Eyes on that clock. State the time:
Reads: 2:56
